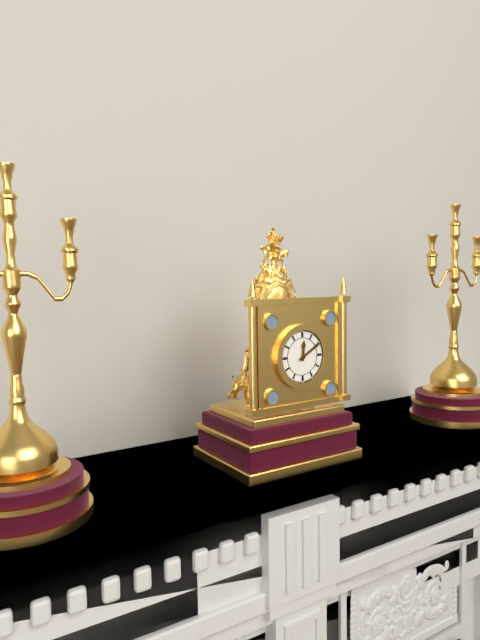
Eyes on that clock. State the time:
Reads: 12:10
